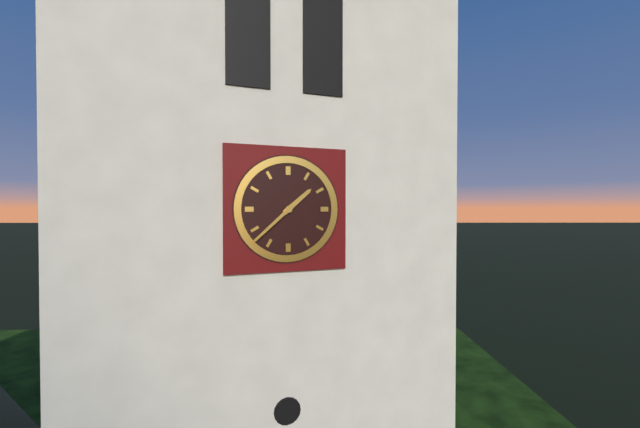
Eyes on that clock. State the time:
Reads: 1:38
